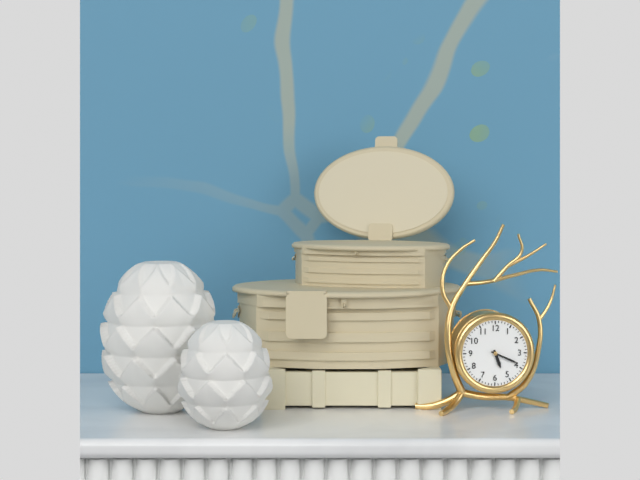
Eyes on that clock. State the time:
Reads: 5:19
